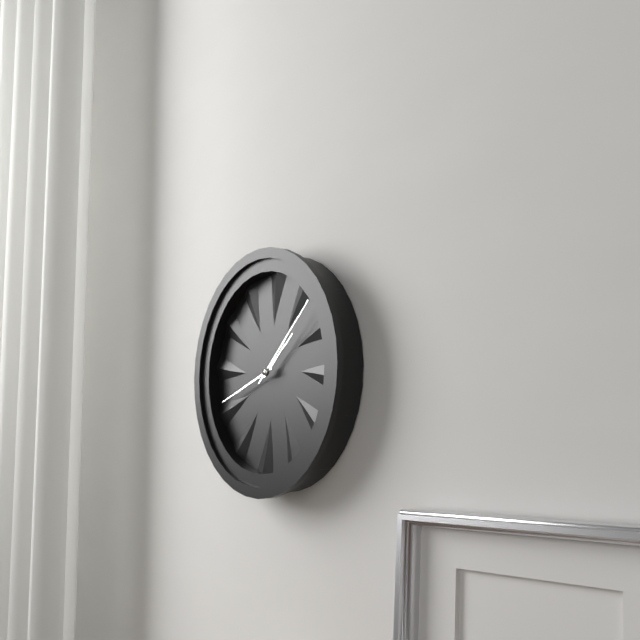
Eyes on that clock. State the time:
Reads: 1:42:08
